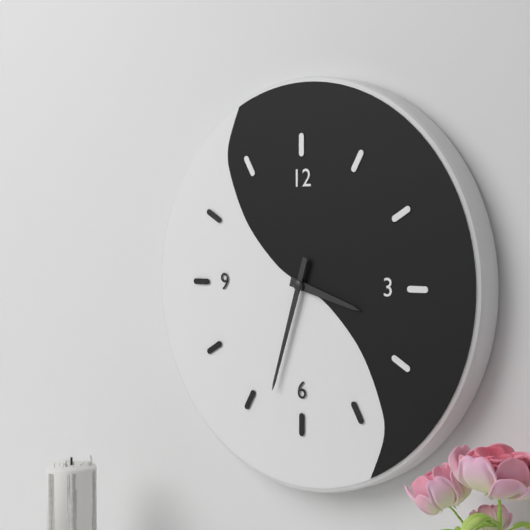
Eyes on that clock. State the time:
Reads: 3:33
